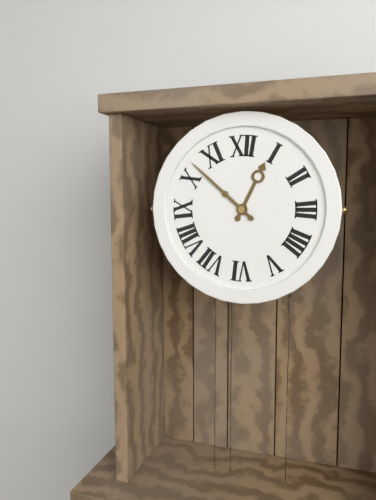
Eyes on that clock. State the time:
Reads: 12:52
